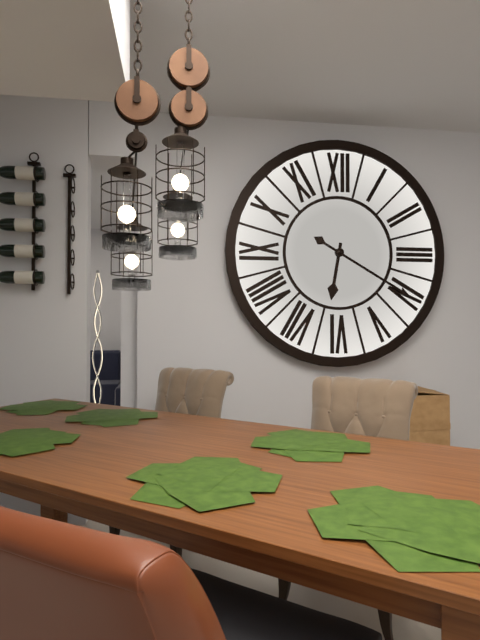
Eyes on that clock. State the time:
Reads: 6:20
